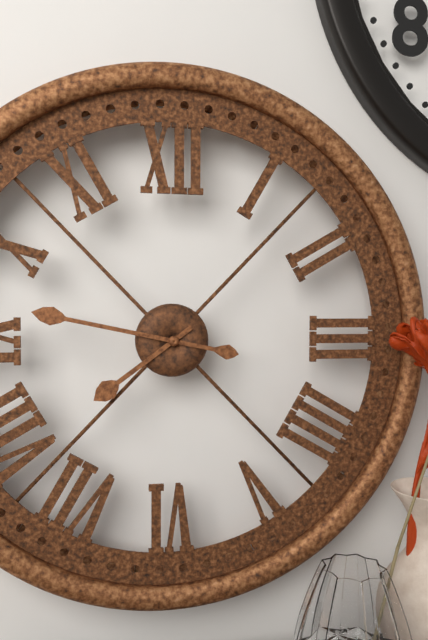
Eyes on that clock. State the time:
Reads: 7:47
